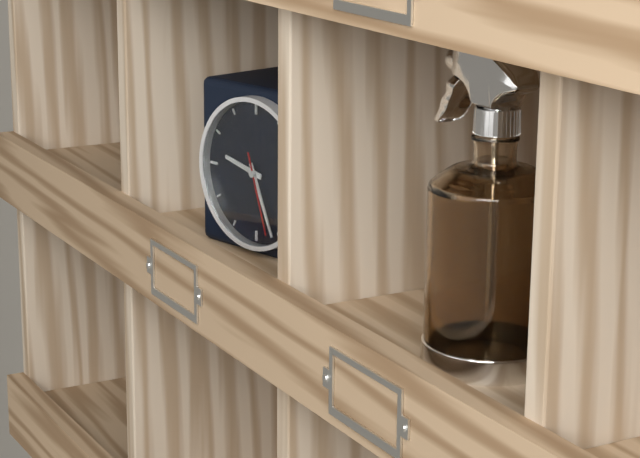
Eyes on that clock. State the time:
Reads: 9:26:27
